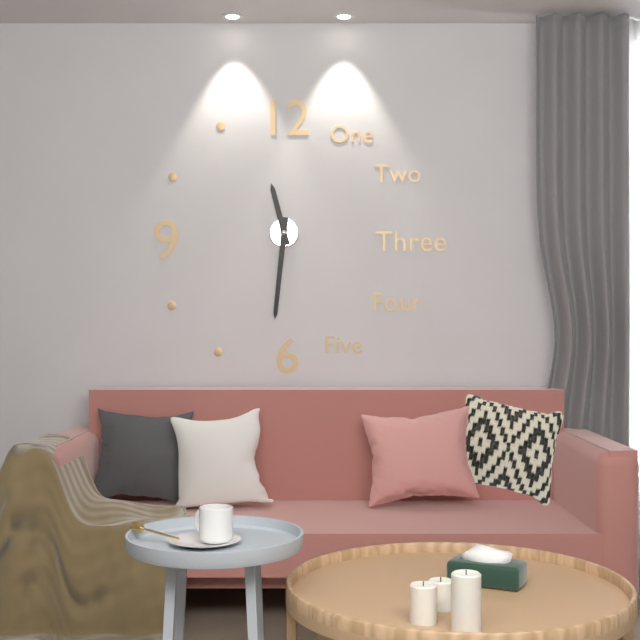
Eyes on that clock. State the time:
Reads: 11:31
